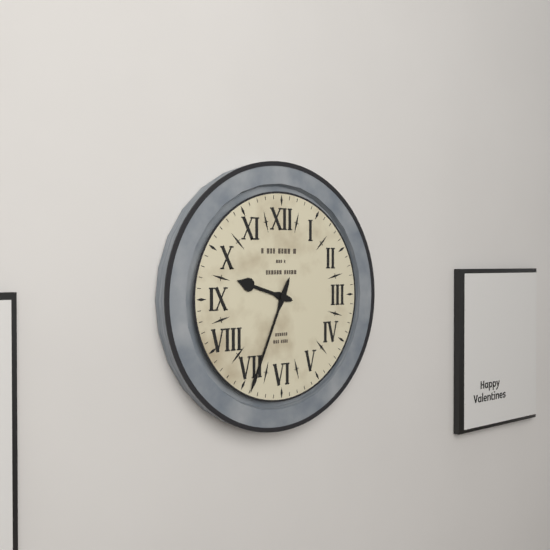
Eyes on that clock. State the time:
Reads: 9:34
